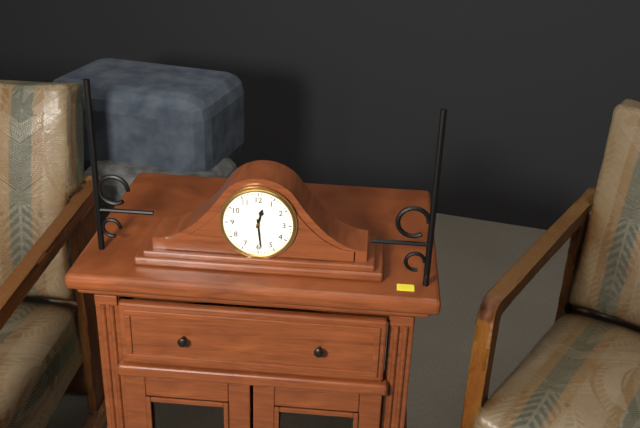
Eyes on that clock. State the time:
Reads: 12:29
